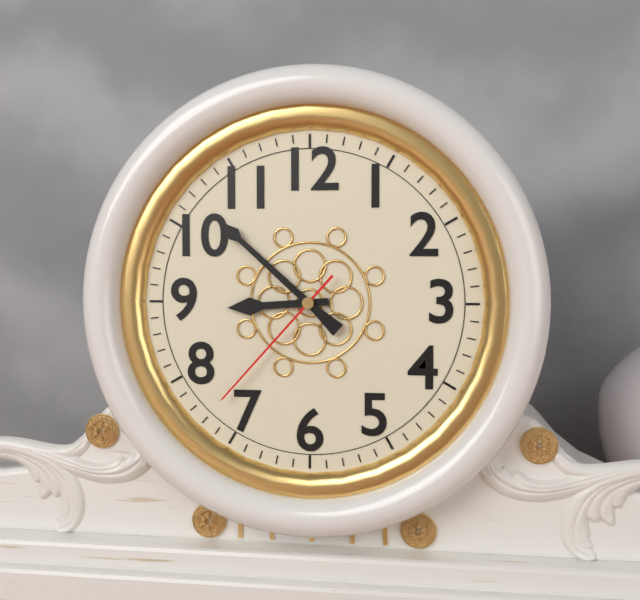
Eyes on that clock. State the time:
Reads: 8:52:37
